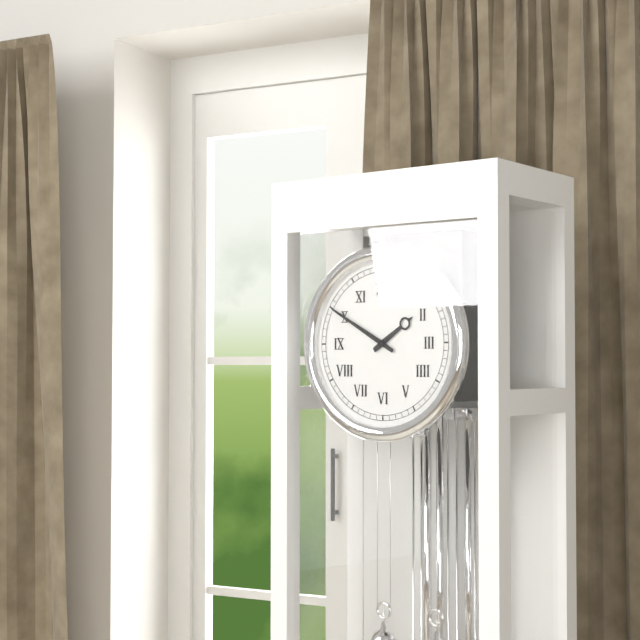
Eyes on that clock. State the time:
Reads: 1:50
